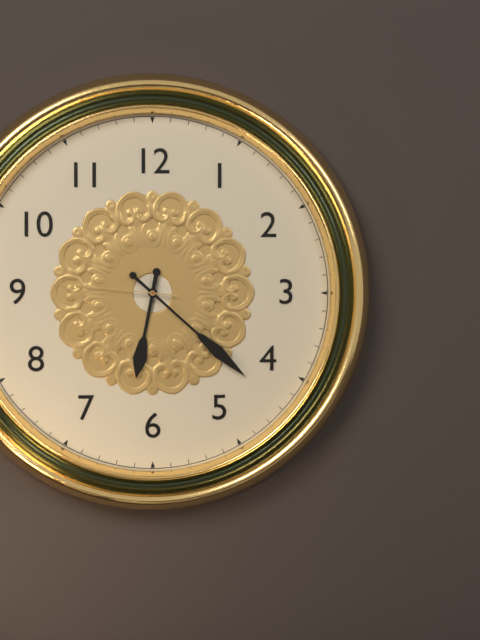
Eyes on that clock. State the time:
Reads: 6:22:46
